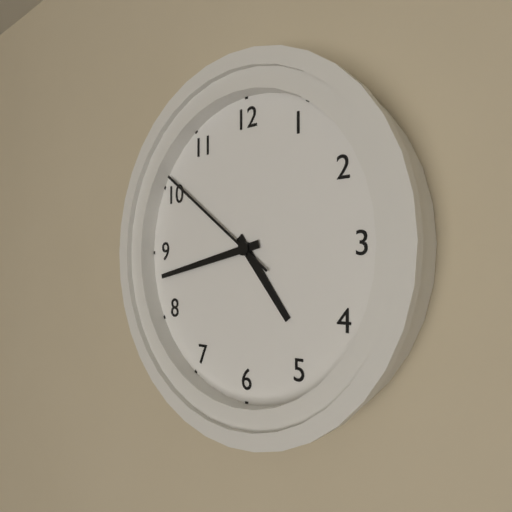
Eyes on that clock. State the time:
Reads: 4:43:51
